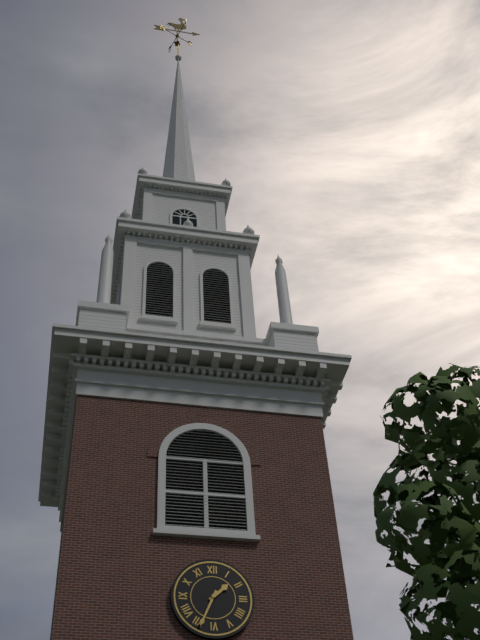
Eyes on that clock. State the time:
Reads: 1:34
